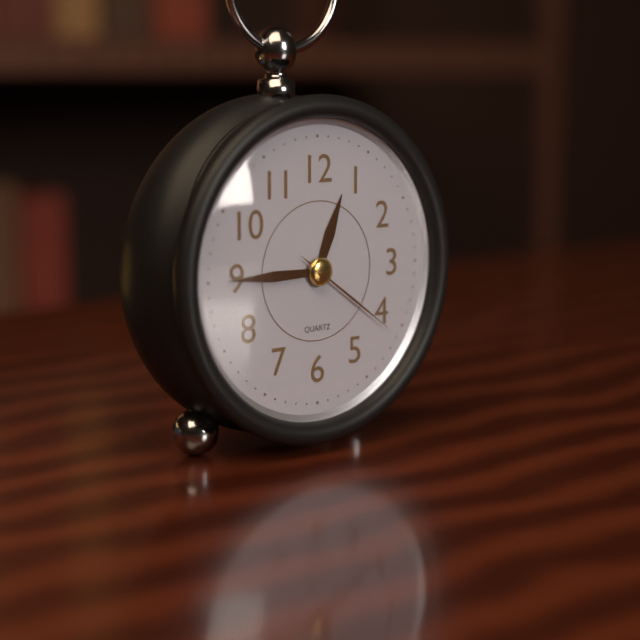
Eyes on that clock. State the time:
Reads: 12:45:21
